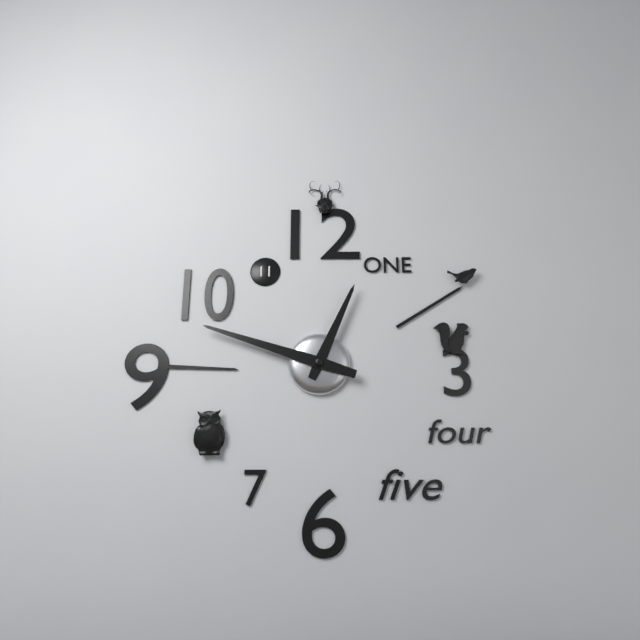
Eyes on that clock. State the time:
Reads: 12:48
